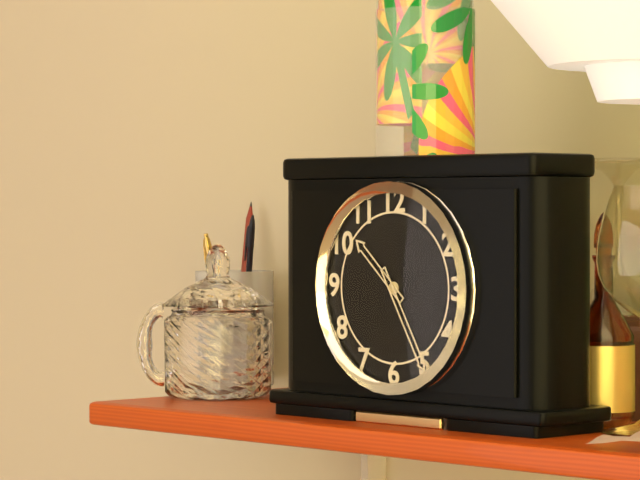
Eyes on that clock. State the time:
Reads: 10:25
